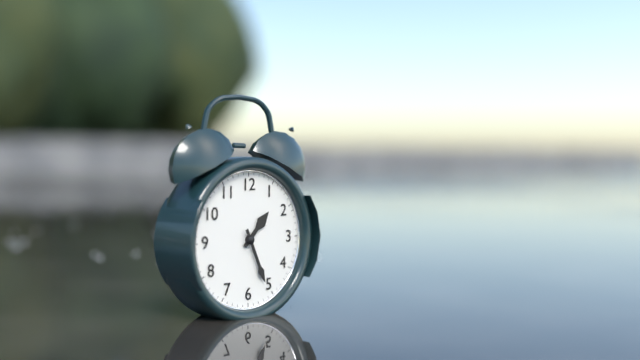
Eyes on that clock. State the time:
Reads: 1:26
